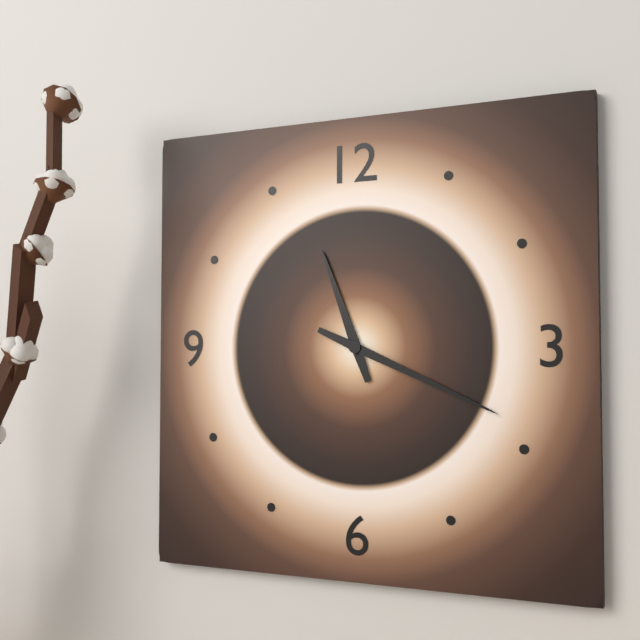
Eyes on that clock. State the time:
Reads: 11:19
